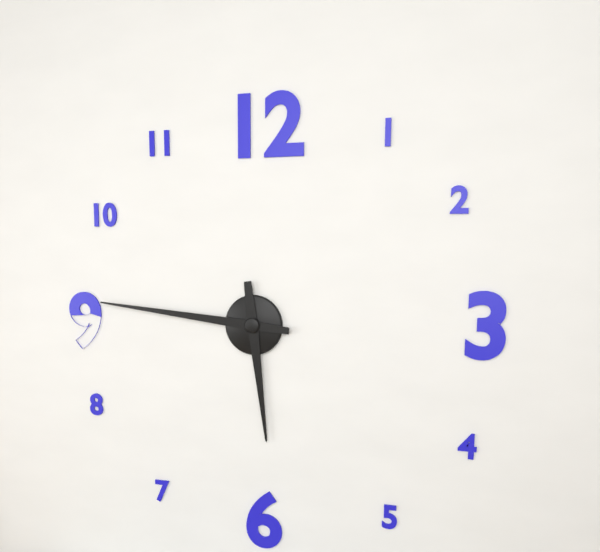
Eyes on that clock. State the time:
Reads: 5:46
